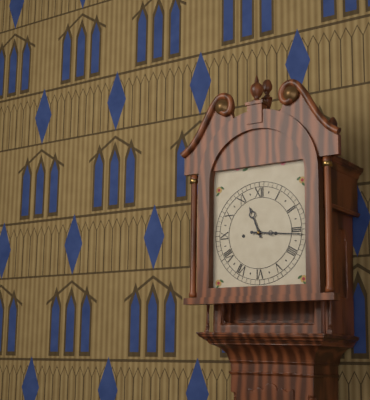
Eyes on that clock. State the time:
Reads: 11:16
